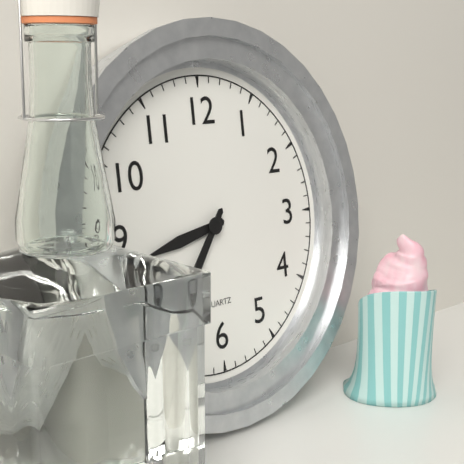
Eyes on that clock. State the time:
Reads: 8:36
